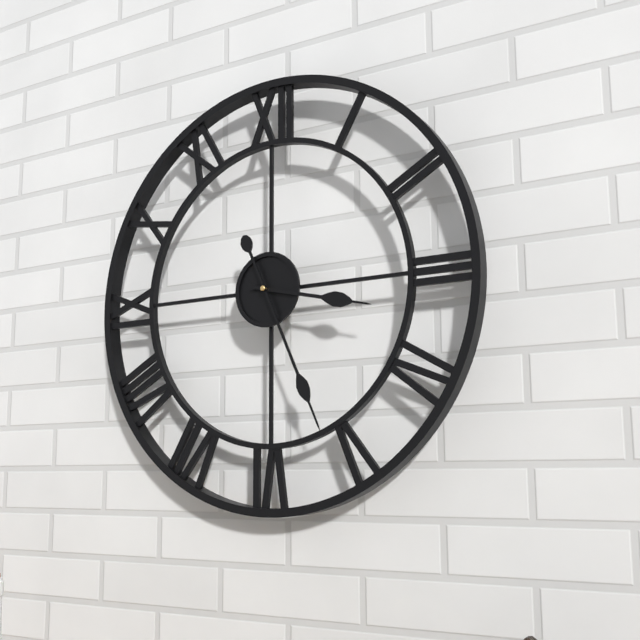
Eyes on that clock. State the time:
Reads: 3:26
